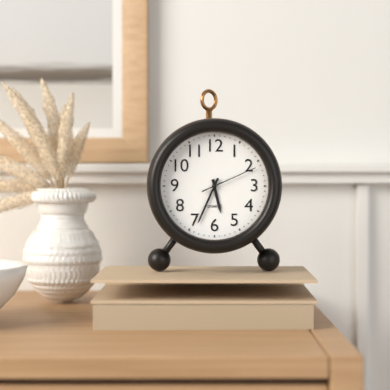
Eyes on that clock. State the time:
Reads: 5:34:11
